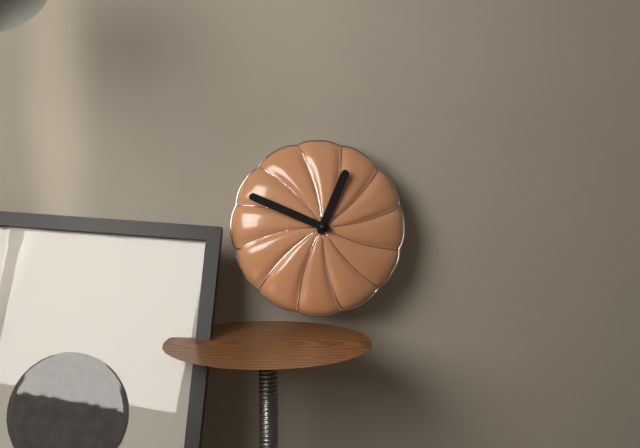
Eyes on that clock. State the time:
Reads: 12:49
